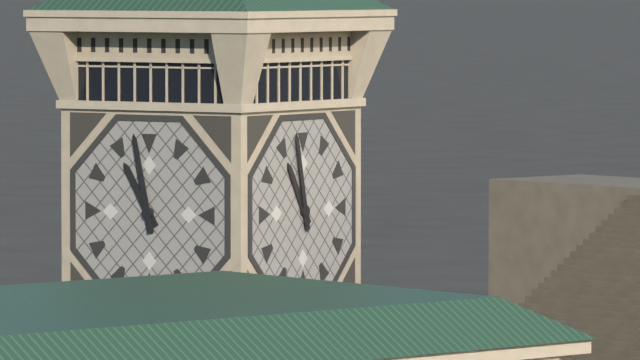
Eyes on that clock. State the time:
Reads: 10:58
